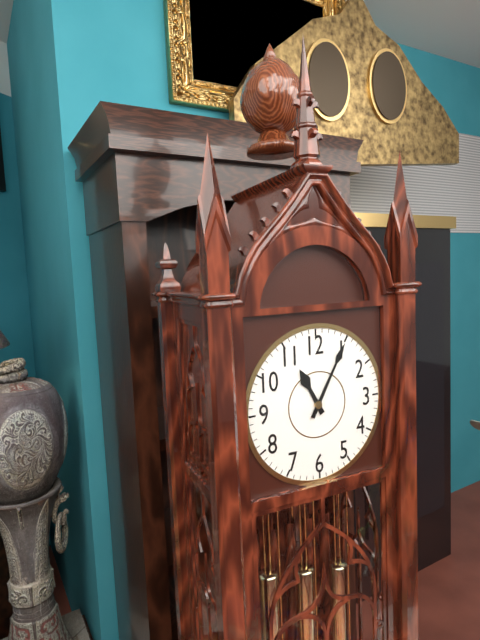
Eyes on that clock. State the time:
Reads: 11:05
